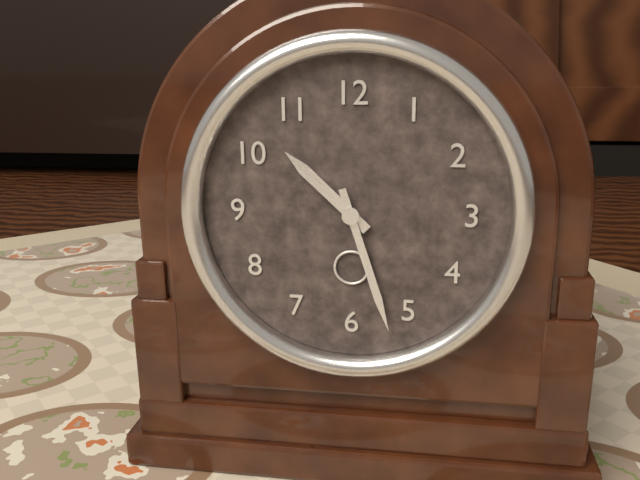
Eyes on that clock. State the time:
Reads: 10:27
